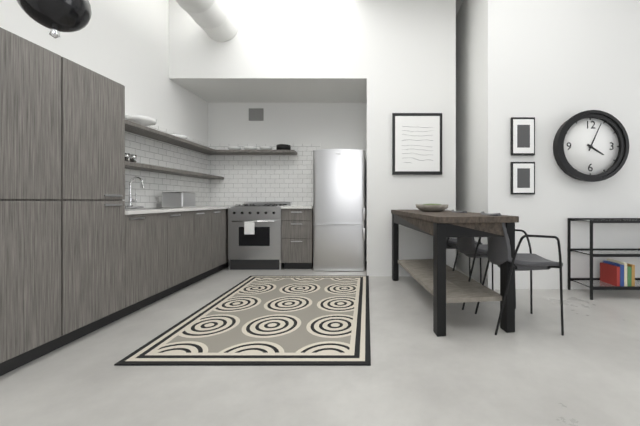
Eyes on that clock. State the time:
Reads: 4:04
